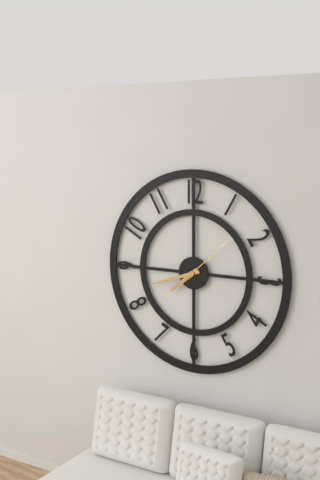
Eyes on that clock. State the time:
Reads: 7:42:08
